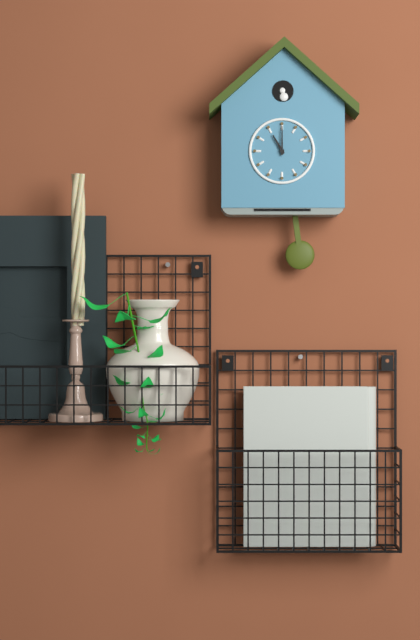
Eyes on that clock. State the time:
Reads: 11:00
